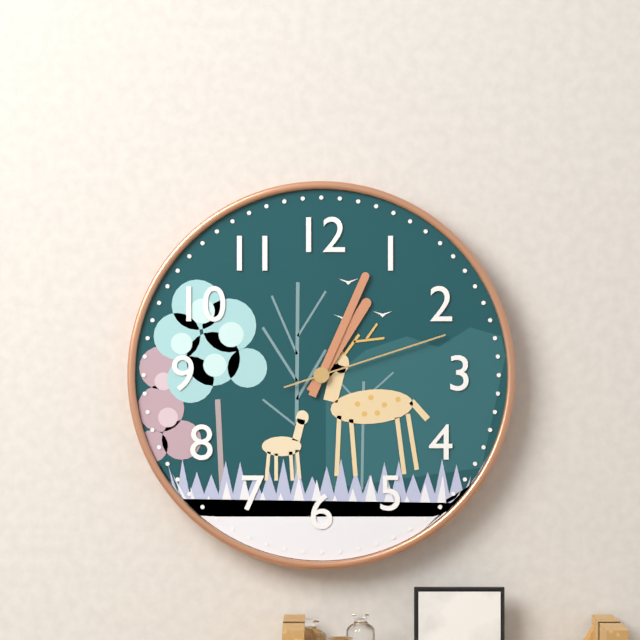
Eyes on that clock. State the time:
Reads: 1:04:12
